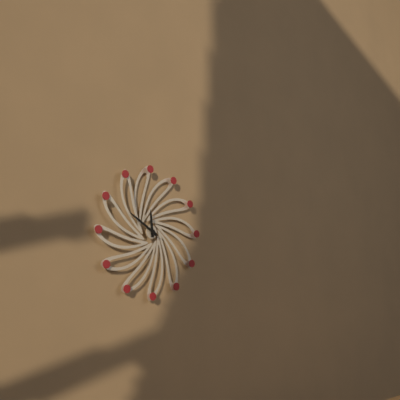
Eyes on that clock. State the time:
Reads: 11:50
